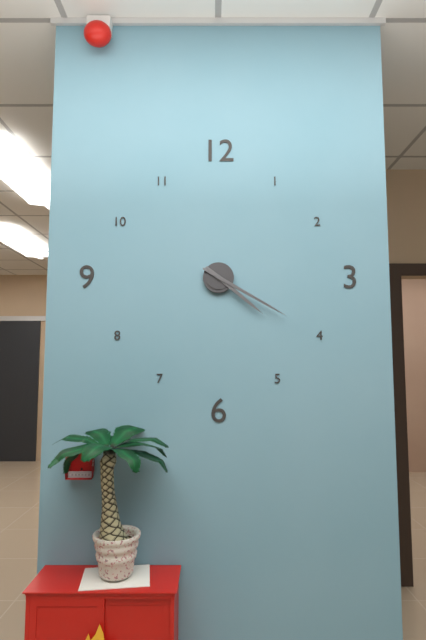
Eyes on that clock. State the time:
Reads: 4:20
